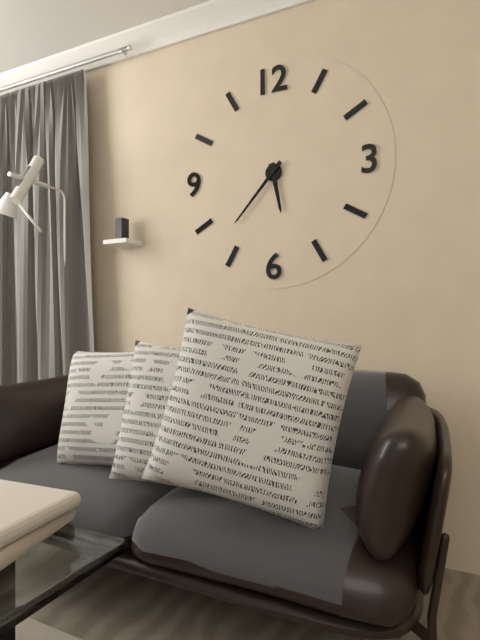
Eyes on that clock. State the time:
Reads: 5:37
